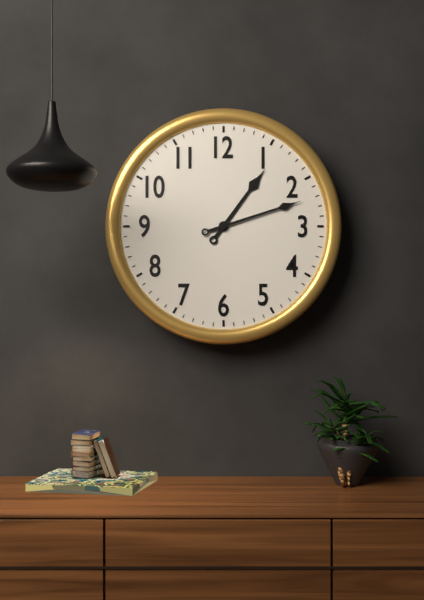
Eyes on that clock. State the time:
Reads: 1:12
